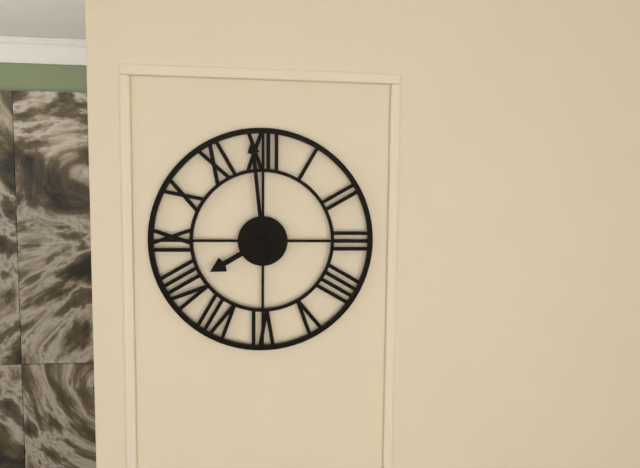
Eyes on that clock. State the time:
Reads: 7:59
